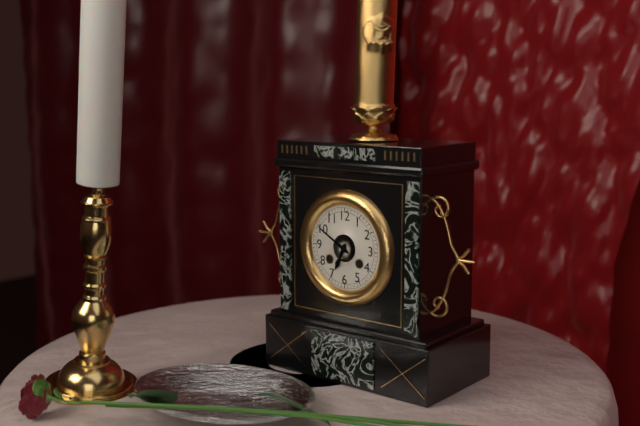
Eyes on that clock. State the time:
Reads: 6:50
